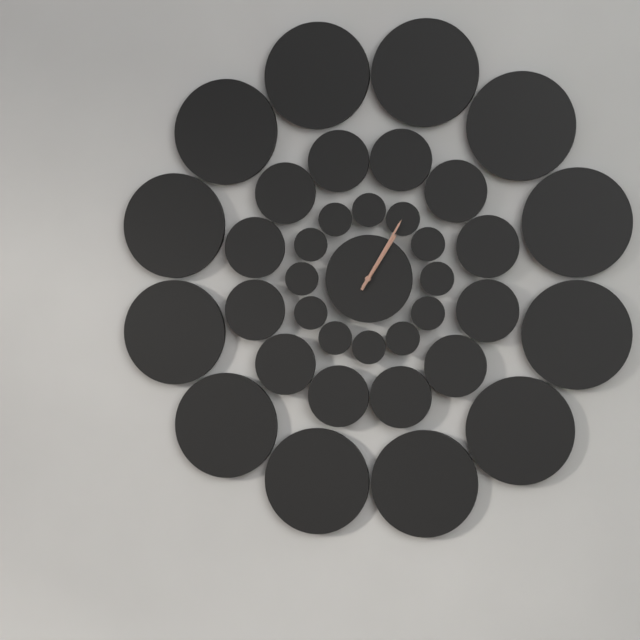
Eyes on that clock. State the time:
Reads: 1:05
